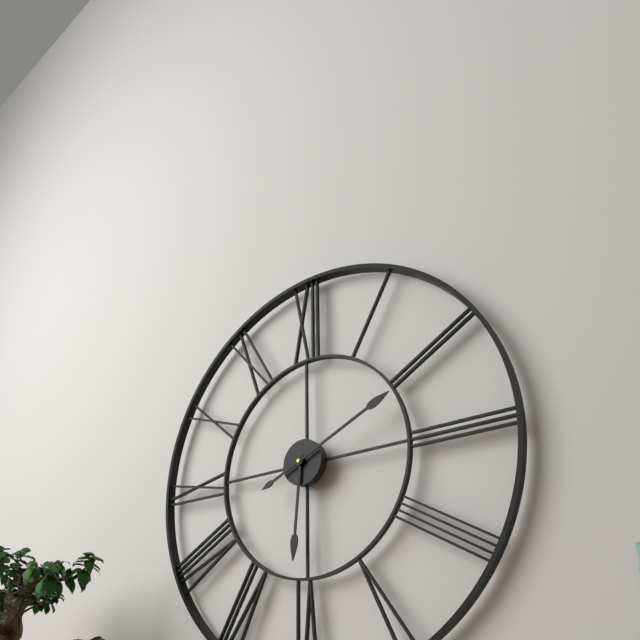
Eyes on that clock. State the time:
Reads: 6:11
